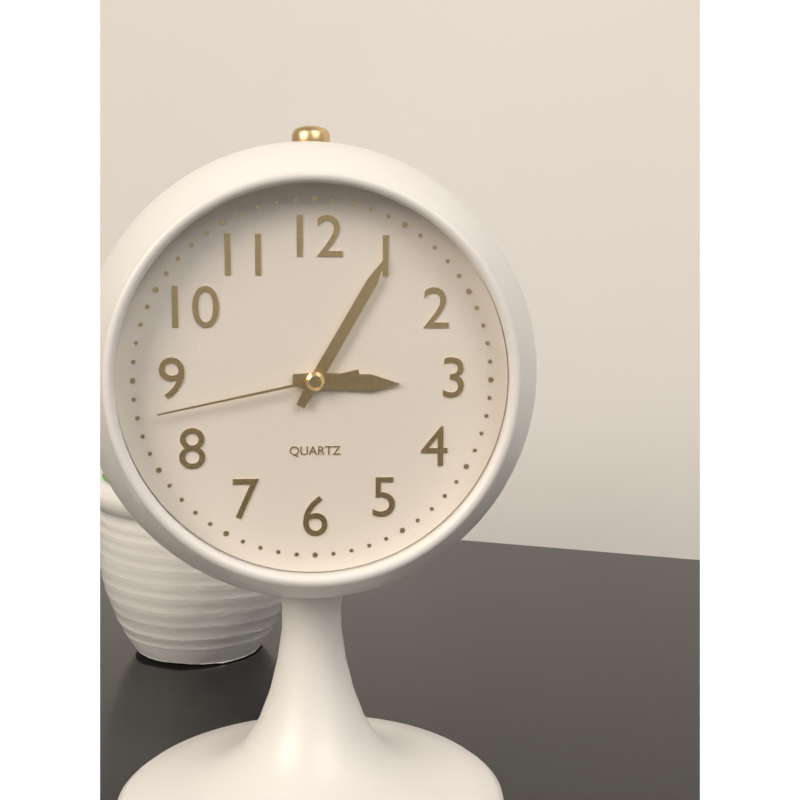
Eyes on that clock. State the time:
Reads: 3:05:43
